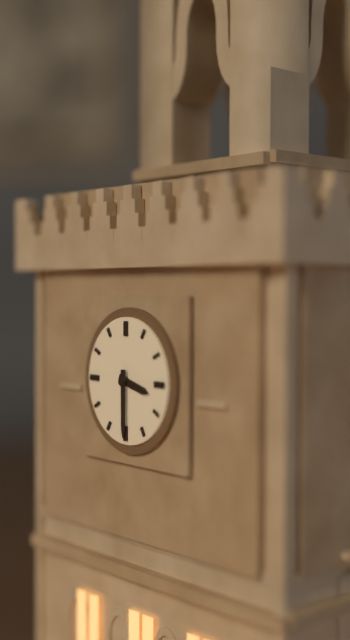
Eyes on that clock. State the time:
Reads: 3:30
